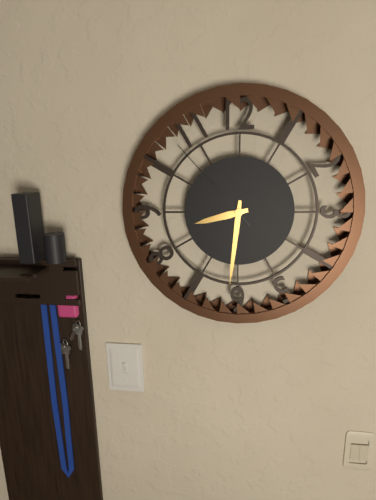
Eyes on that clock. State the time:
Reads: 8:31:53
